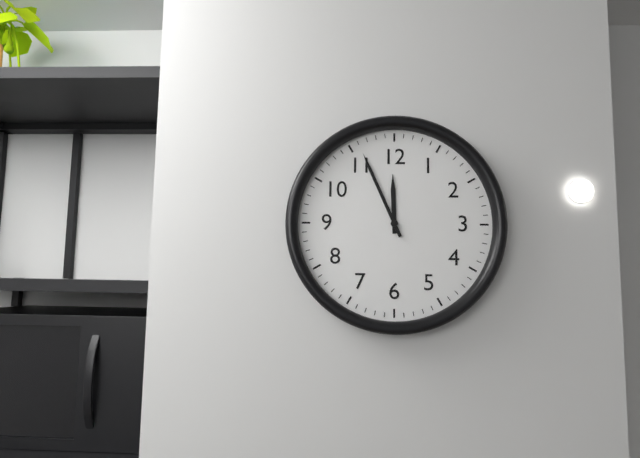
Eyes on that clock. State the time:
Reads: 11:56
